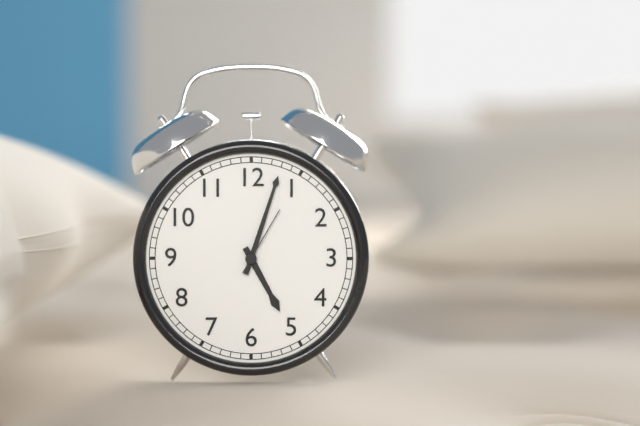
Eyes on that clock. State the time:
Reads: 5:03:05
